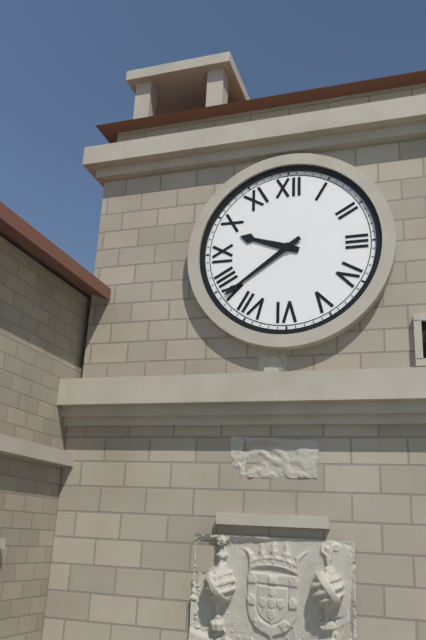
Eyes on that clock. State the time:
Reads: 9:39
